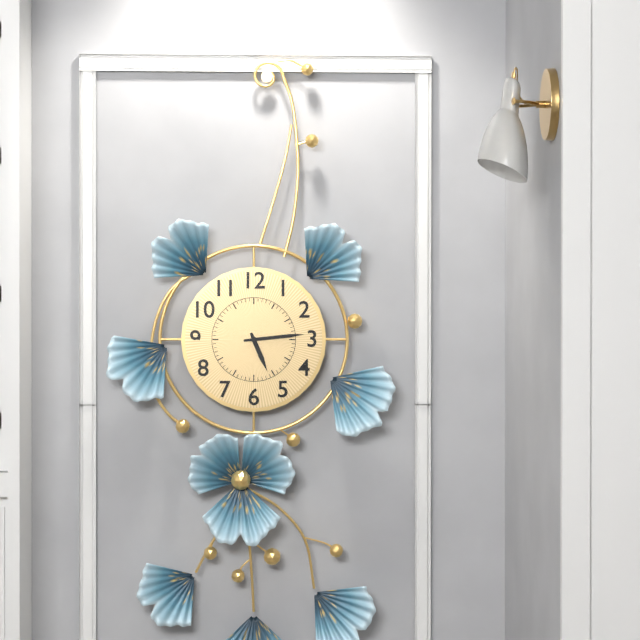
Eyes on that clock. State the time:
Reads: 5:14
